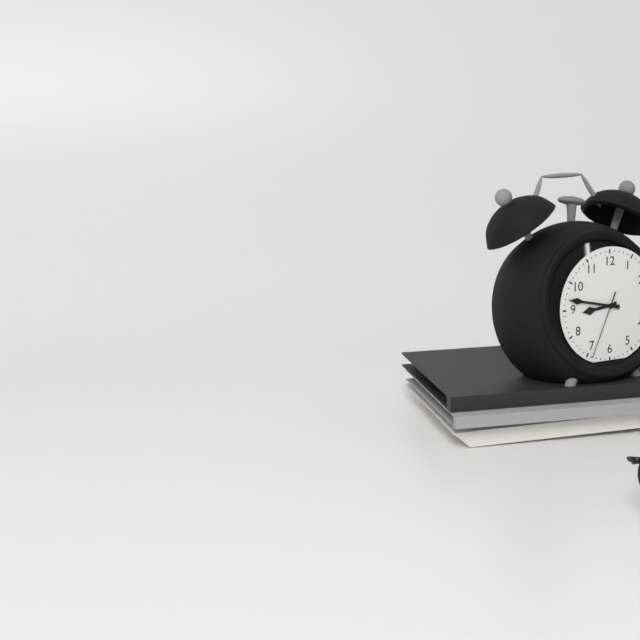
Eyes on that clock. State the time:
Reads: 8:47:34
